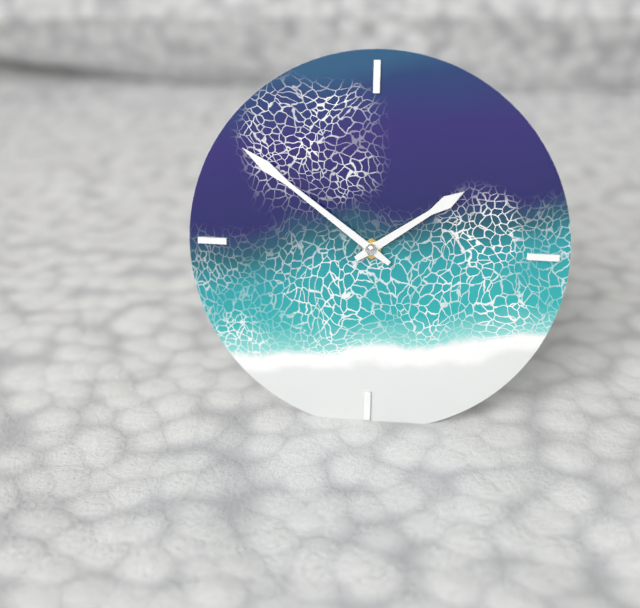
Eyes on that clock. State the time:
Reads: 1:51
